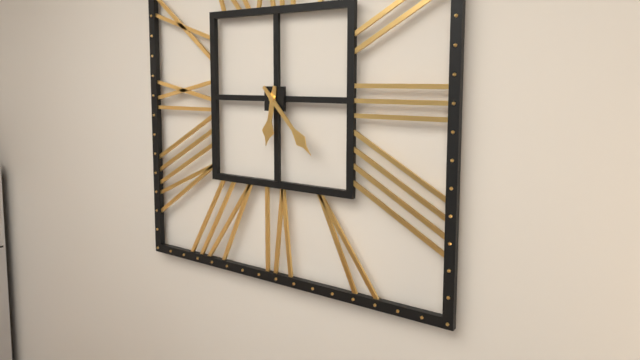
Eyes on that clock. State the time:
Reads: 6:23
